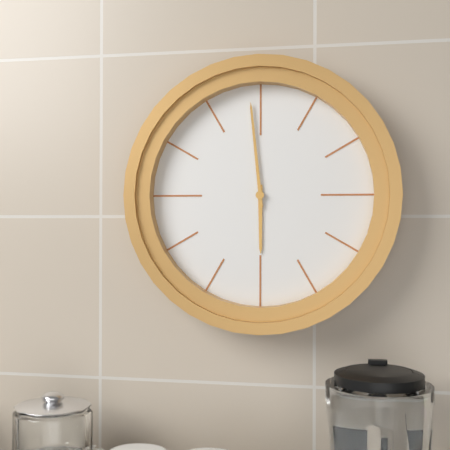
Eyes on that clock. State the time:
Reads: 5:59
